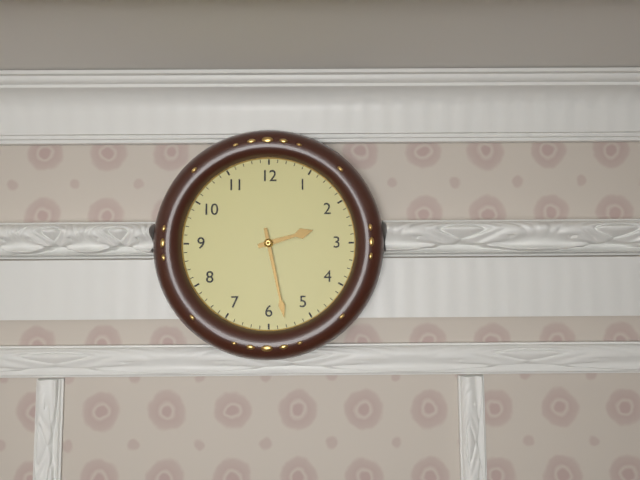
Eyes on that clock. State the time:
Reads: 2:28
